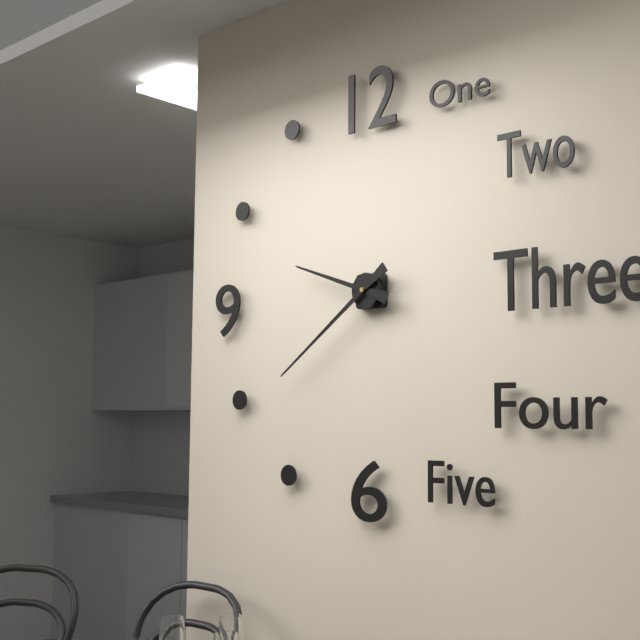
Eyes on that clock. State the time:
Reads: 9:39
